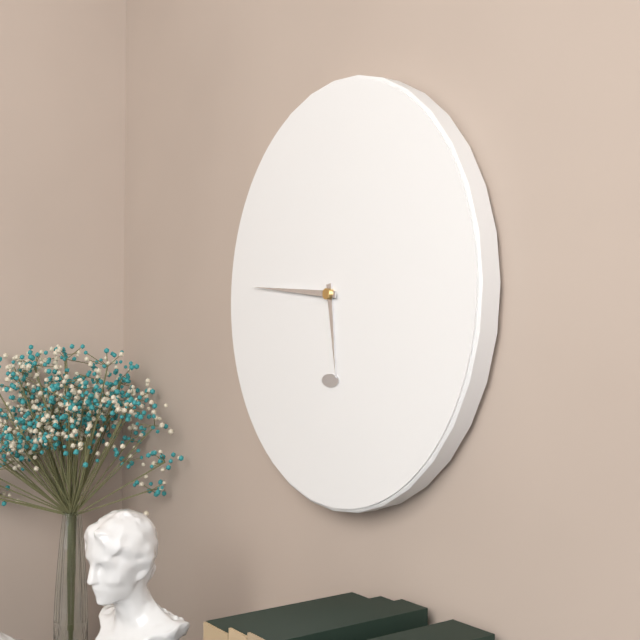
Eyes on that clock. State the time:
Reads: 5:46
